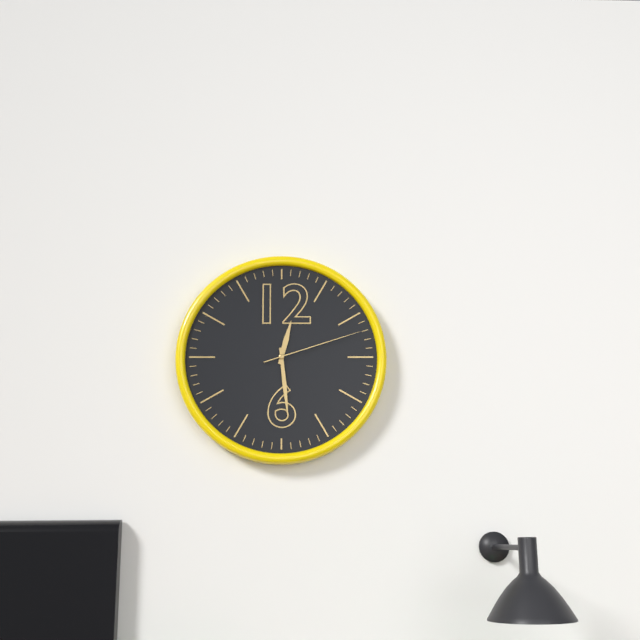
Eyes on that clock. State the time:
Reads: 12:29:12
